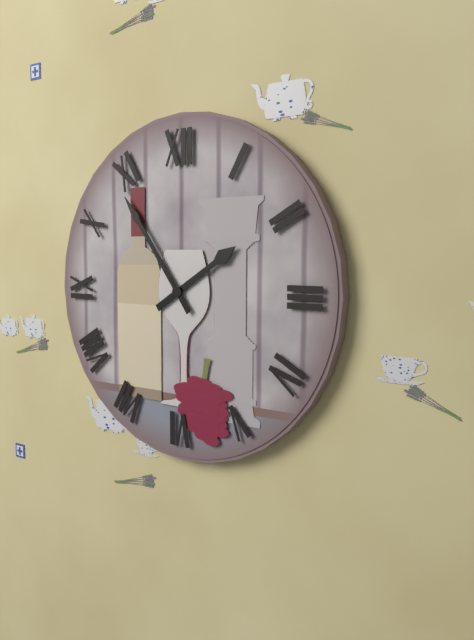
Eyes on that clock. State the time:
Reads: 1:54
